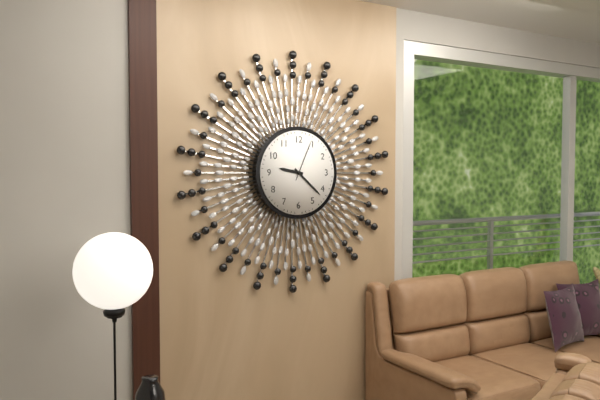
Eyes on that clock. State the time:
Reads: 9:22
